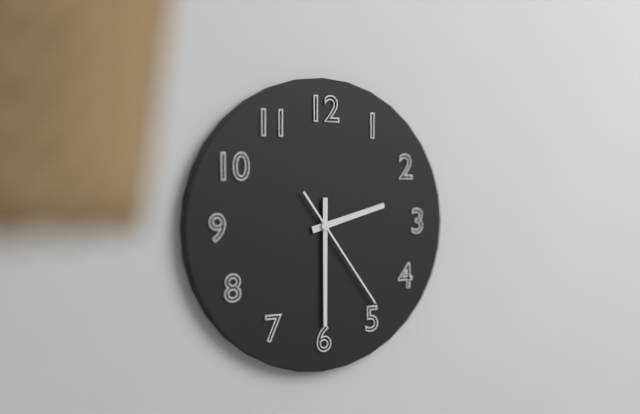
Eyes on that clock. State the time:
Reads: 2:30:24
